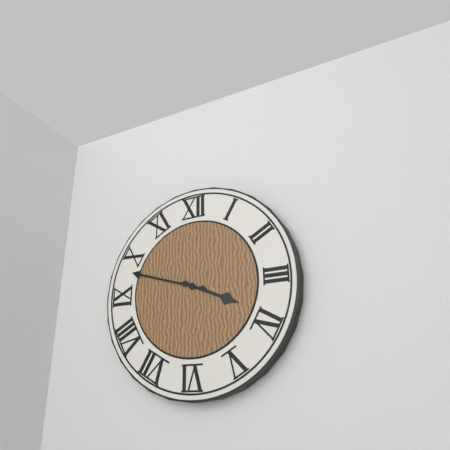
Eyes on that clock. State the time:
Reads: 3:48
